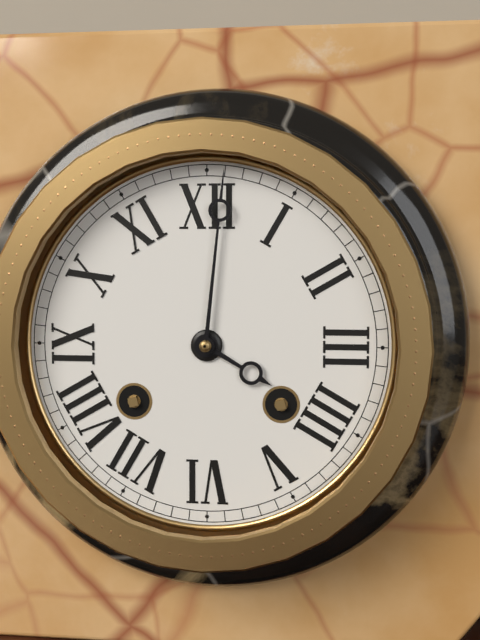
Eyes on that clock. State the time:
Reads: 4:01
